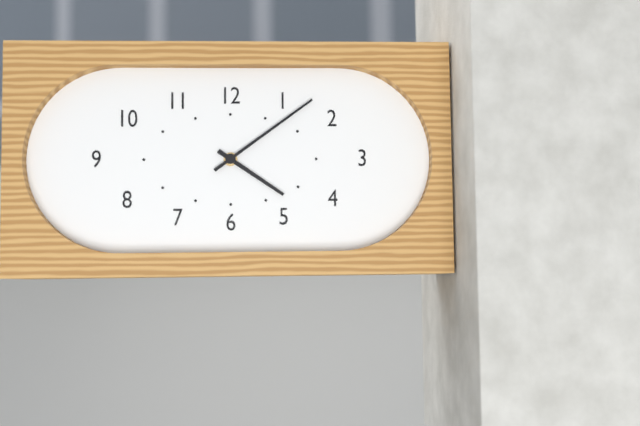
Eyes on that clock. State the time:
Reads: 4:09
